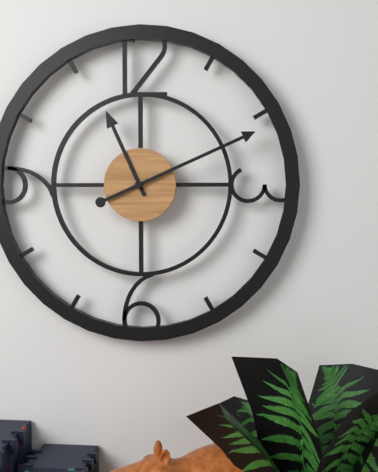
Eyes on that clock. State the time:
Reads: 11:11
